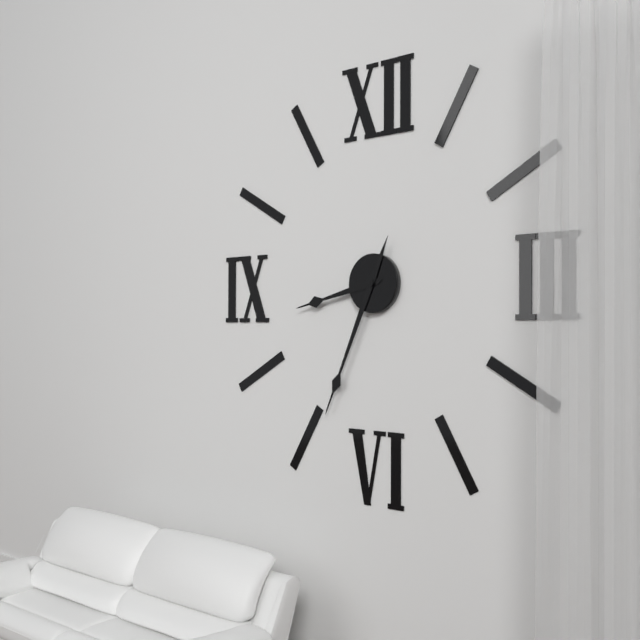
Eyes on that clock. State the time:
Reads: 8:34
